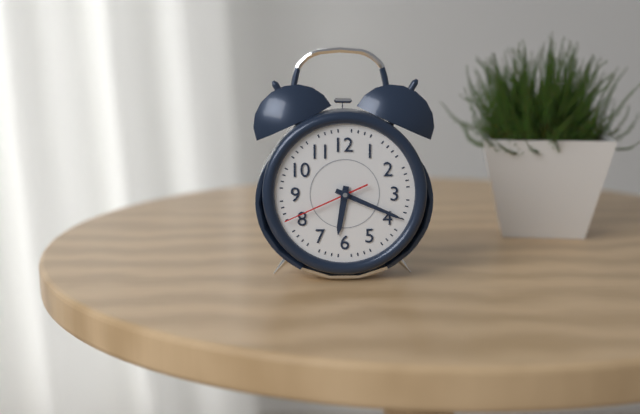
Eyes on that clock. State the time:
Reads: 6:19:41
